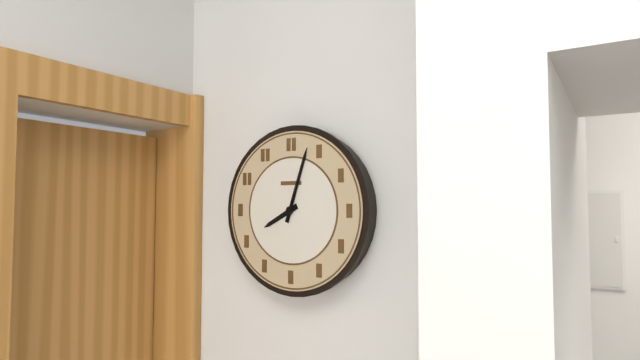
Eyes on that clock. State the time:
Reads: 8:03
